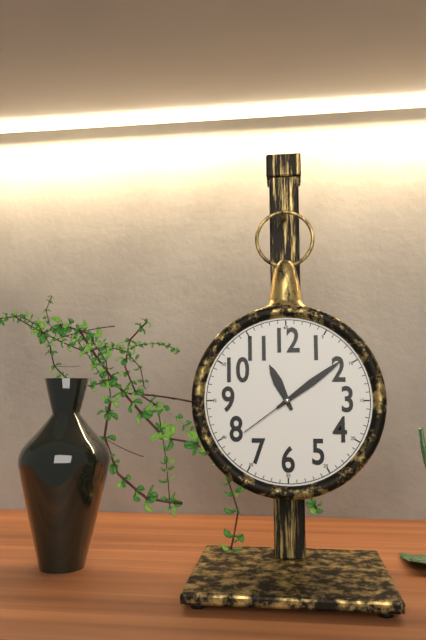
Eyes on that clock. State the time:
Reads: 11:09:39
